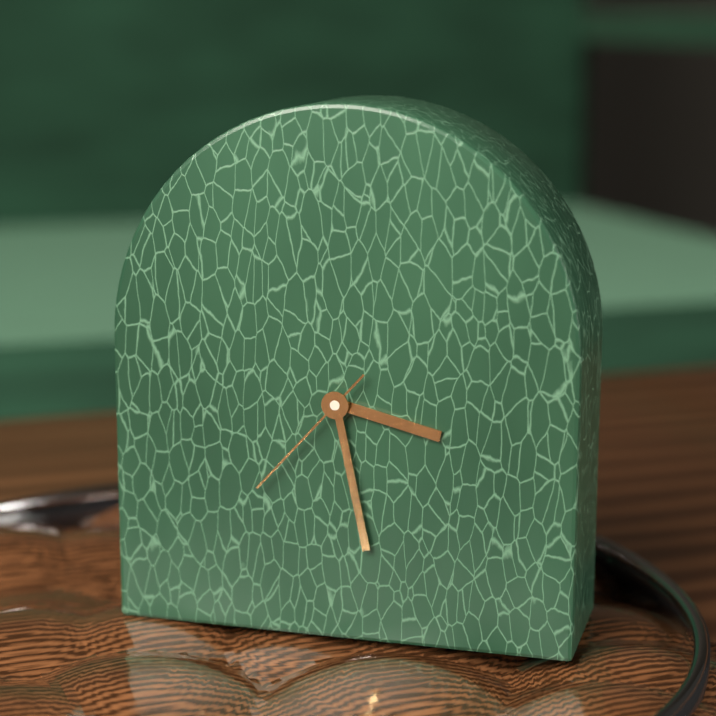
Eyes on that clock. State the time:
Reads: 3:28:37
